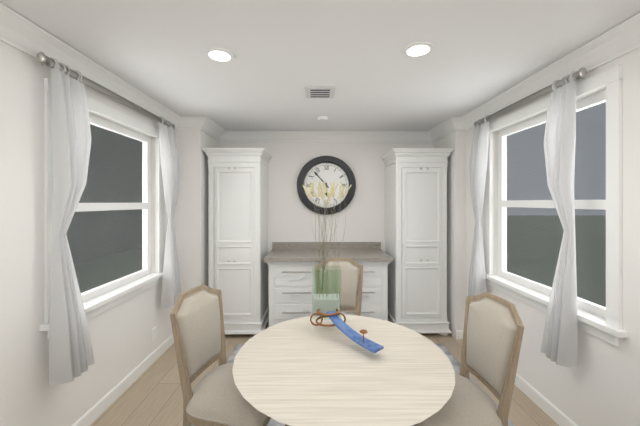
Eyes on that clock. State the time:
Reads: 5:53
